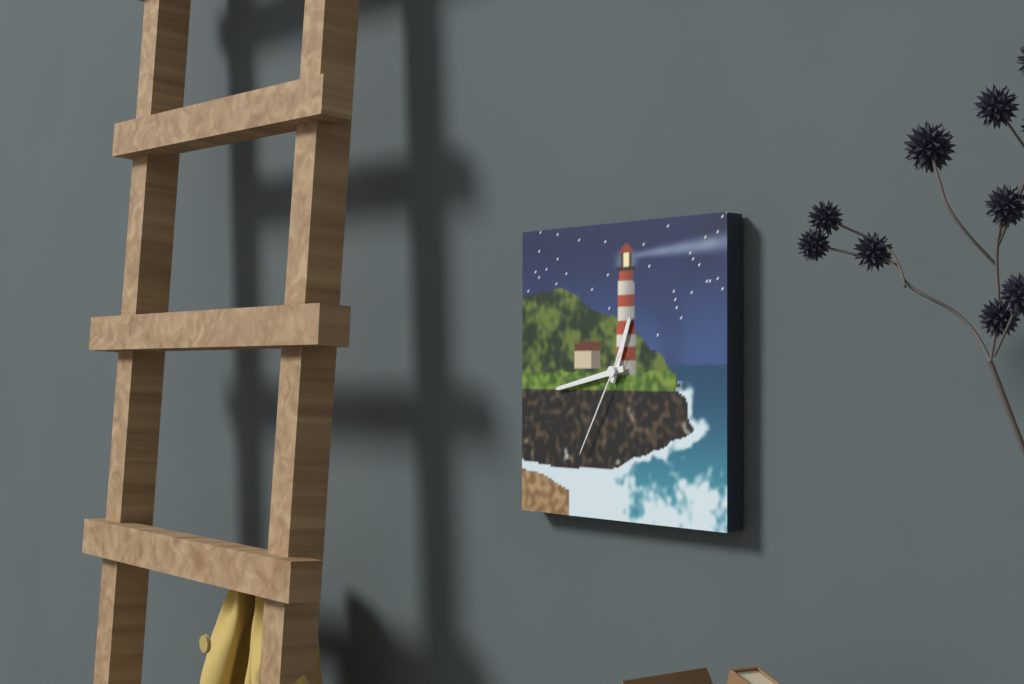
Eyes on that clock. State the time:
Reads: 12:43:35
